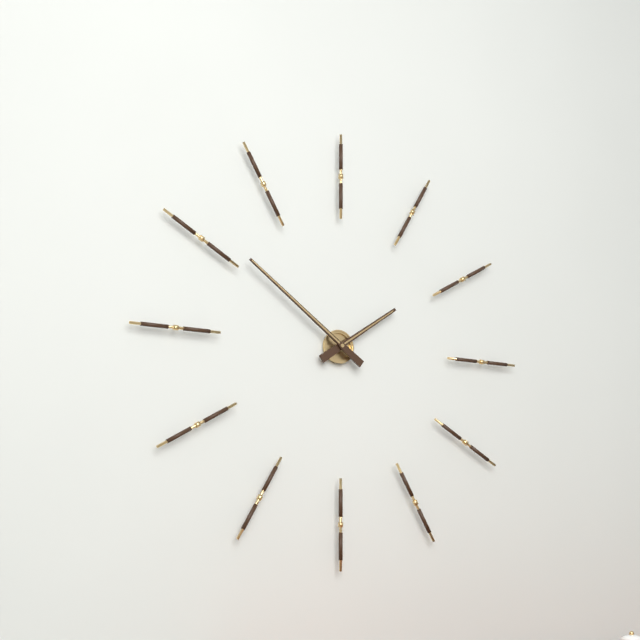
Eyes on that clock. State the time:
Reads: 1:51
